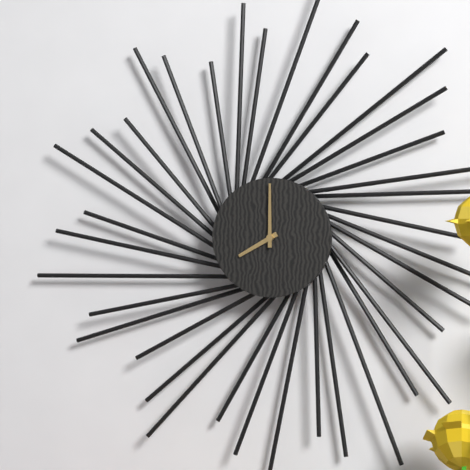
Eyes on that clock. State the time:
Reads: 8:00
